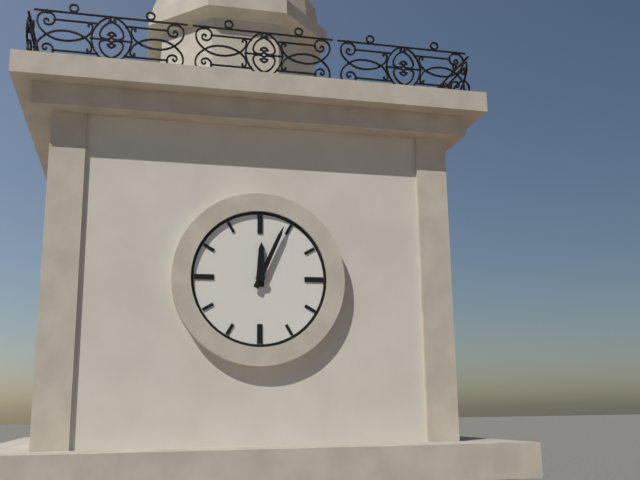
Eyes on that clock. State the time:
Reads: 12:04
